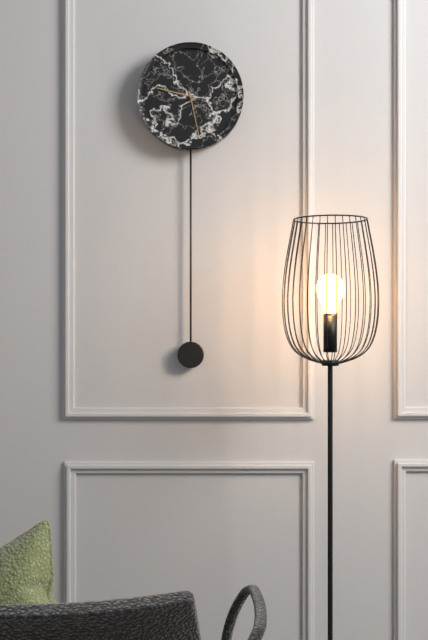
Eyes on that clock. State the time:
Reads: 9:28
